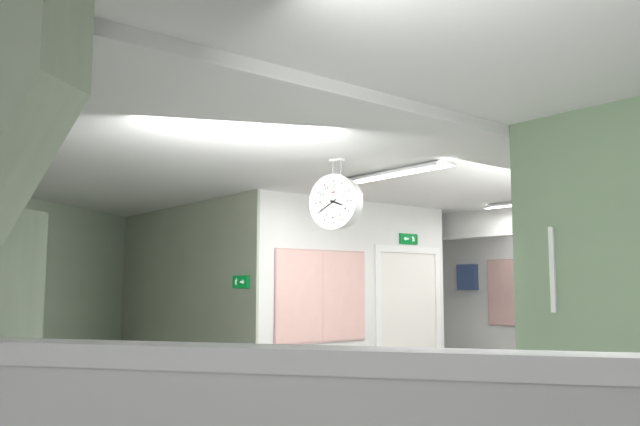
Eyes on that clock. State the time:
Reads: 3:40
